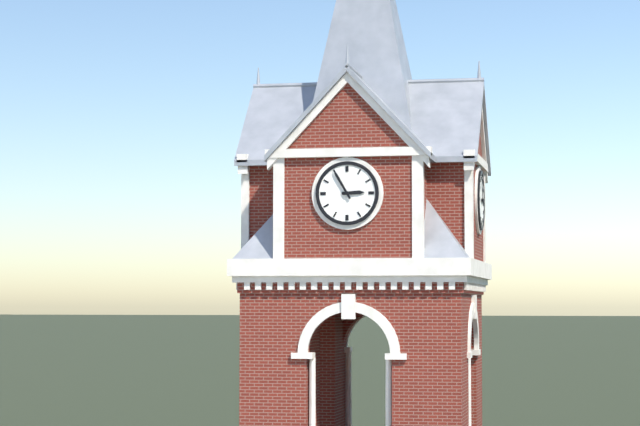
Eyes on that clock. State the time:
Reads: 2:55
